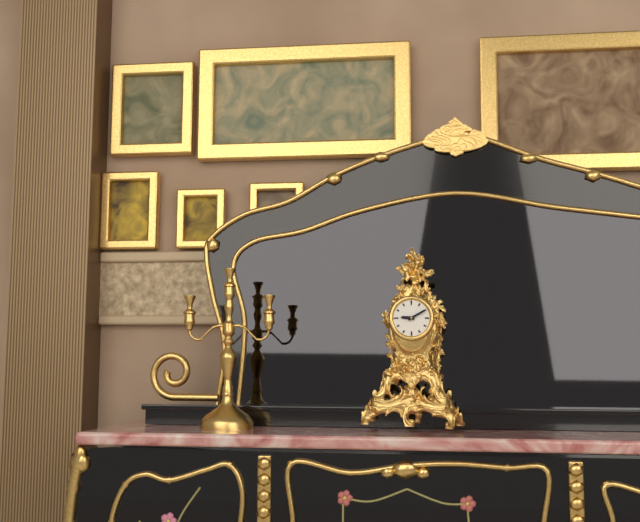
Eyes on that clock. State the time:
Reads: 9:10
